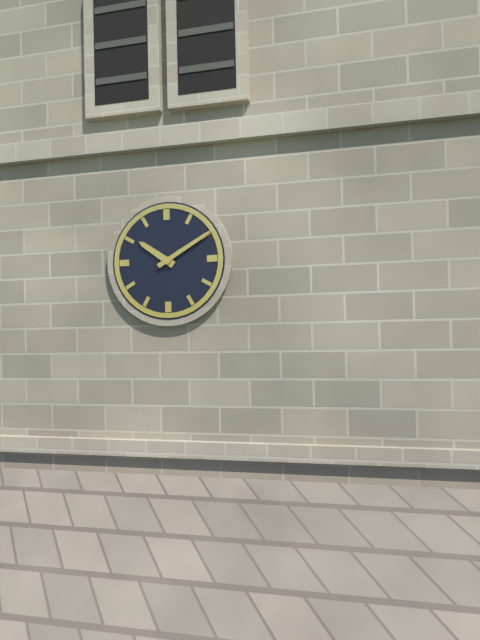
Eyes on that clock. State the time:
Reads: 10:10
